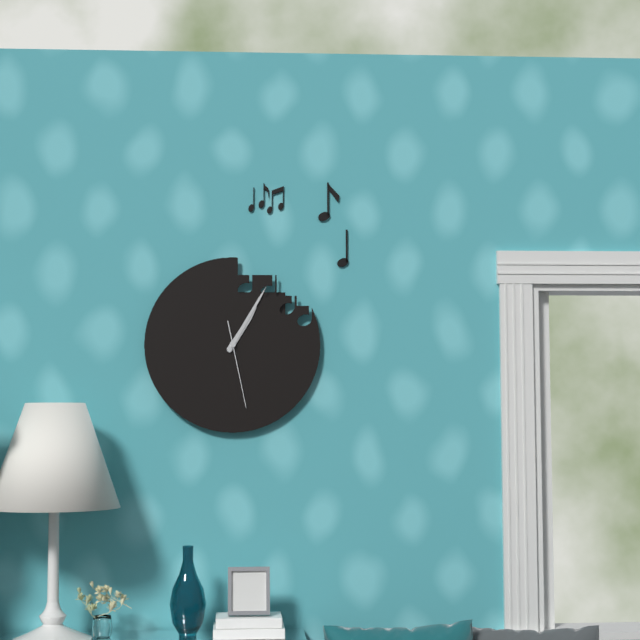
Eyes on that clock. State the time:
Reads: 1:05:28
